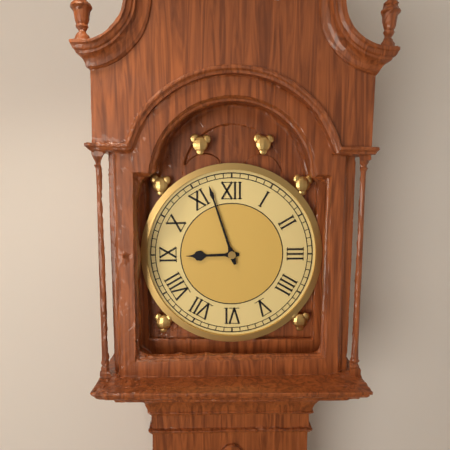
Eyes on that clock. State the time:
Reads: 8:57
